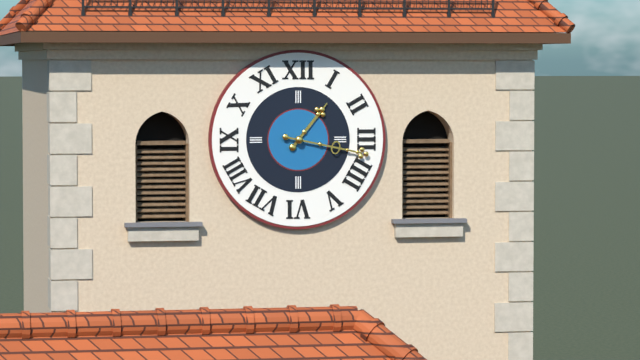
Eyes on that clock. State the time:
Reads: 1:17
